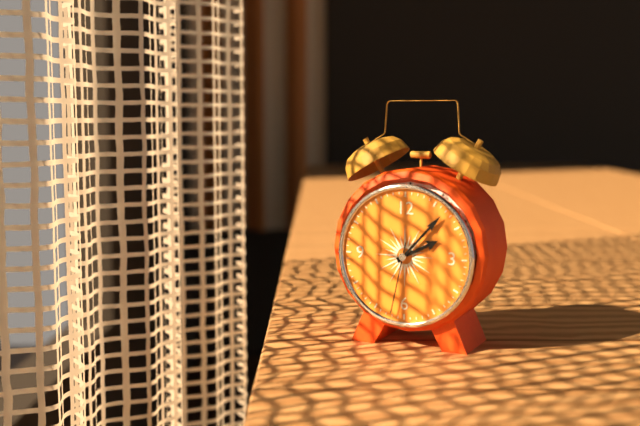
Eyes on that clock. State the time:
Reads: 2:07:32
